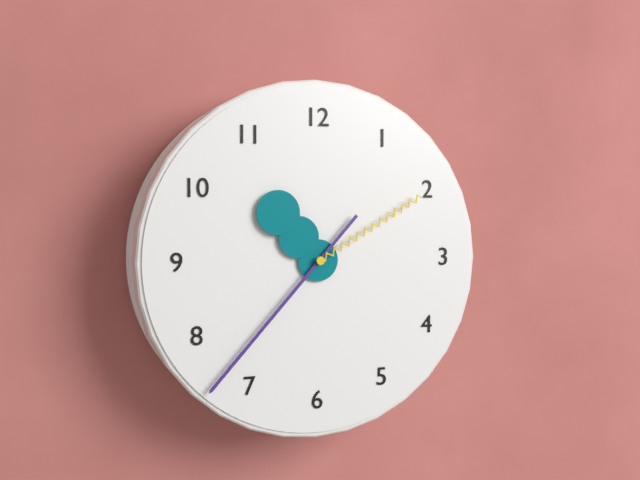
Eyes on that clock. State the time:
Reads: 10:37:10
